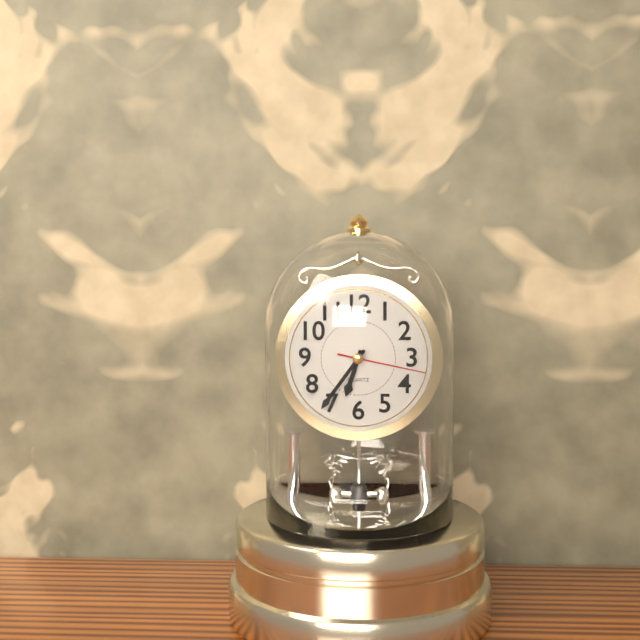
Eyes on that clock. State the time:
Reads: 6:36:17
